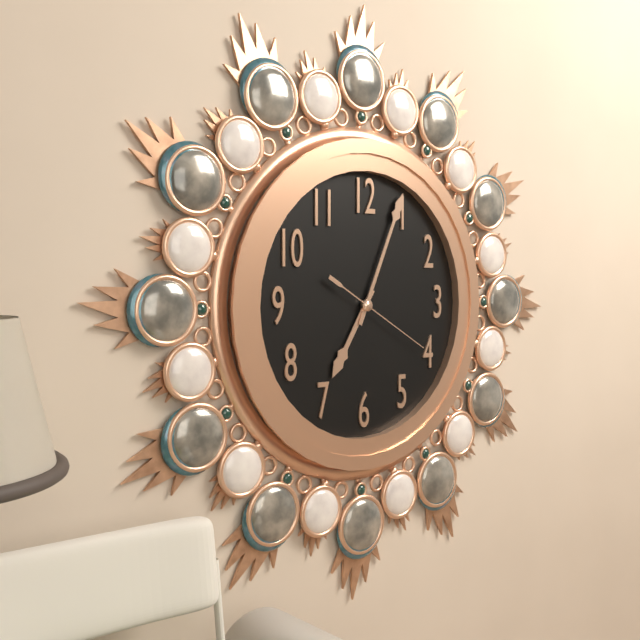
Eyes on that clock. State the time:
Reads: 7:04:20
